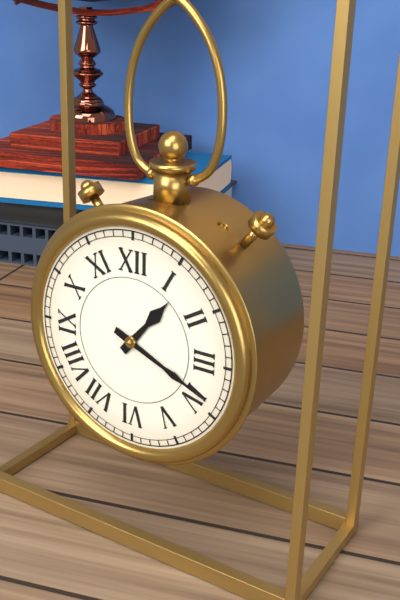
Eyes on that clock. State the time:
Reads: 1:19
